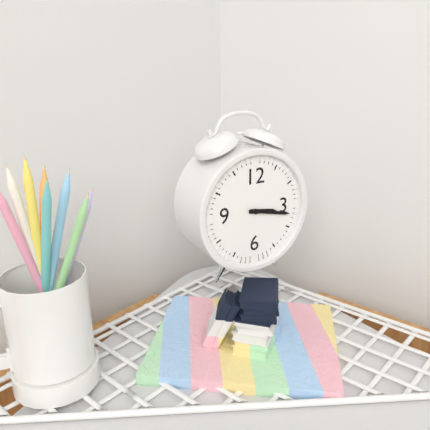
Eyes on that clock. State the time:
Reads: 3:17
